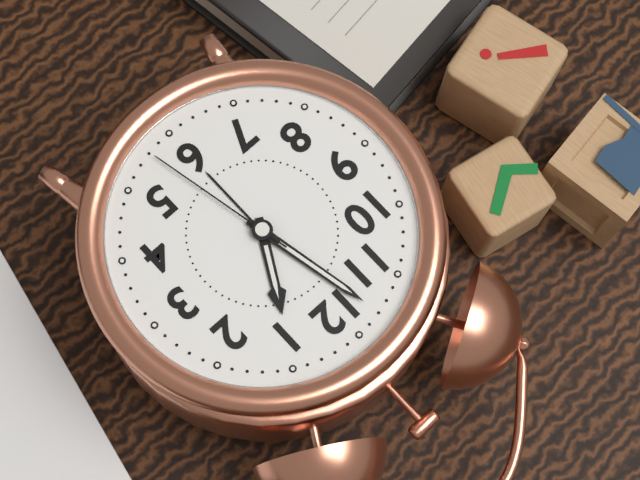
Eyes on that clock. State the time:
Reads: 12:58:28
